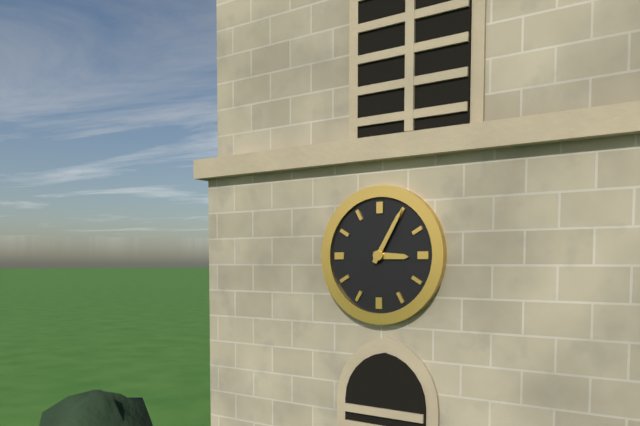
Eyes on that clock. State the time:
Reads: 3:05
